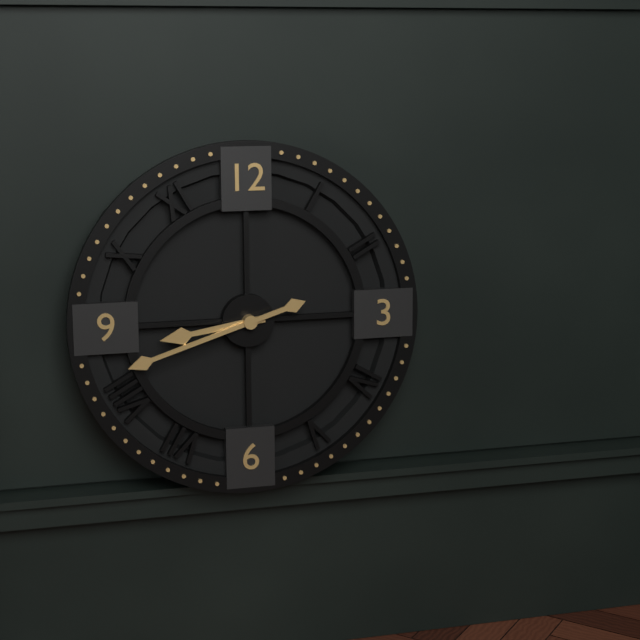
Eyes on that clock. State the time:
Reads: 8:42
